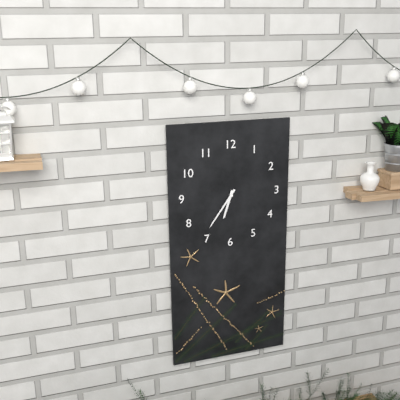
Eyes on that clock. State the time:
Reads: 6:36
